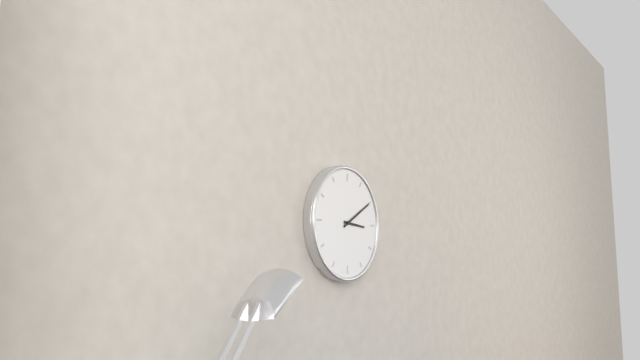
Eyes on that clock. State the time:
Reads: 3:10
